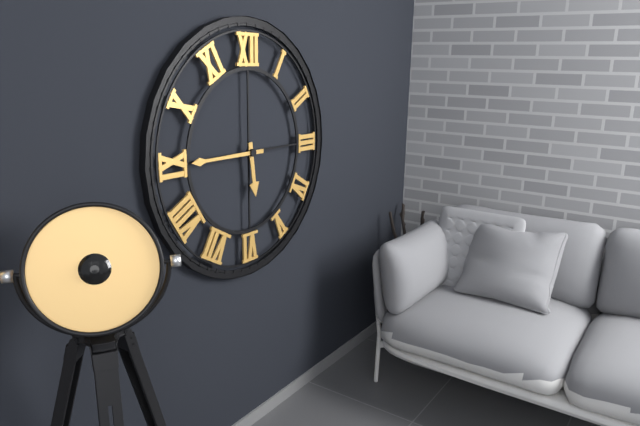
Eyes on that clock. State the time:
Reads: 5:45
